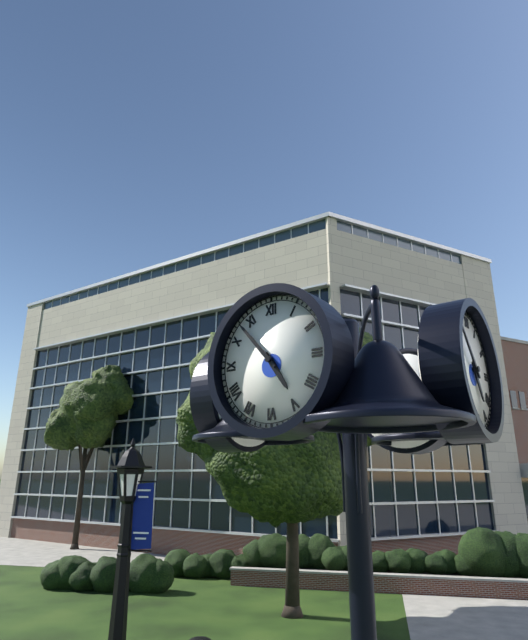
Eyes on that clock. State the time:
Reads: 4:53
